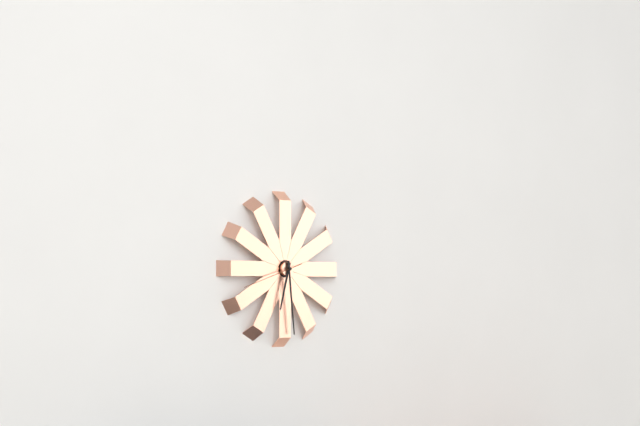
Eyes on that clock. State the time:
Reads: 6:29:42
